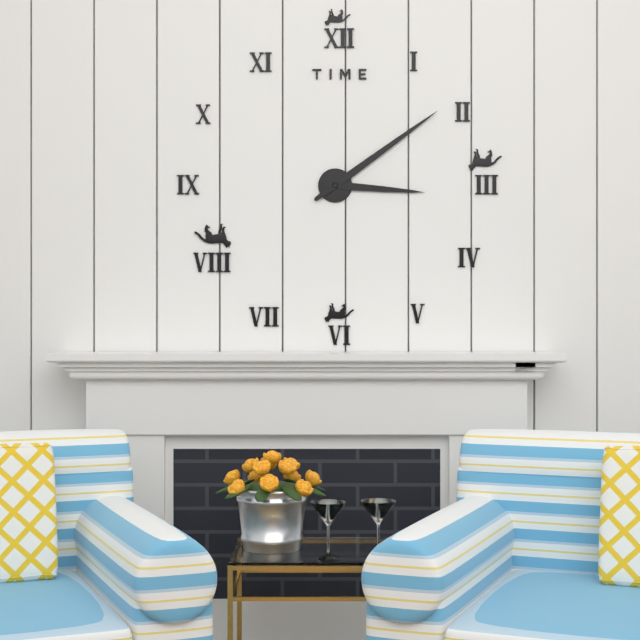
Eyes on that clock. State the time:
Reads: 3:09
